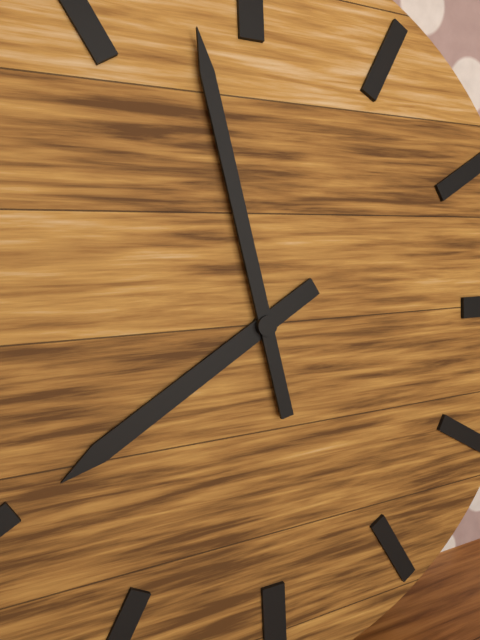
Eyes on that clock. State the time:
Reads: 7:58
